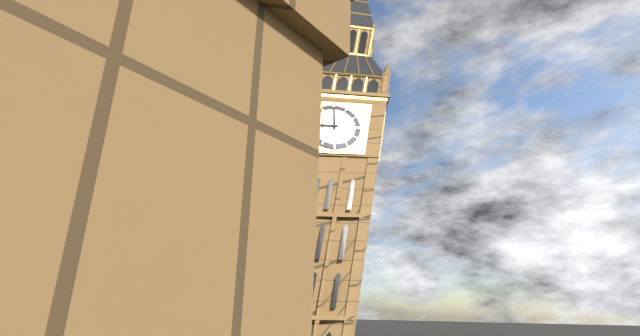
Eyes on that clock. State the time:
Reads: 9:00
